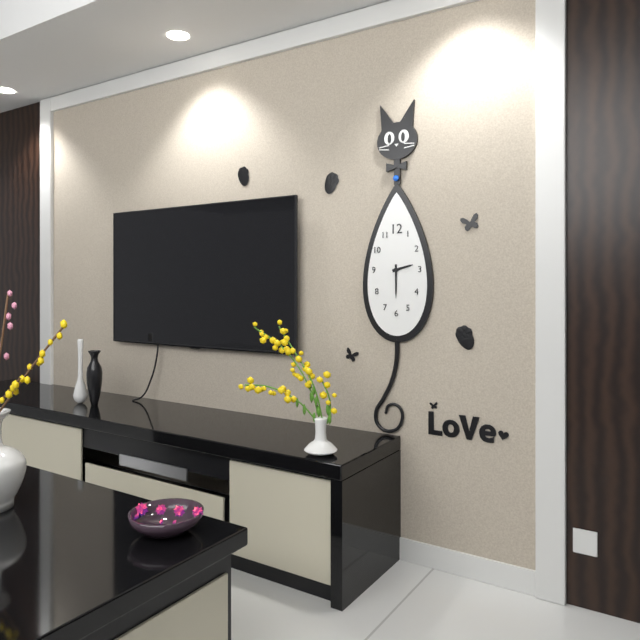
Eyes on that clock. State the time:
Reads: 2:30
